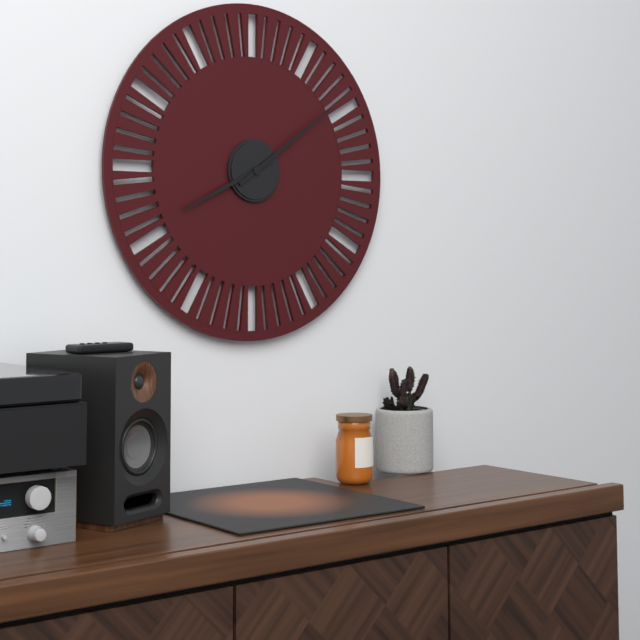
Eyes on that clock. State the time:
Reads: 8:09
